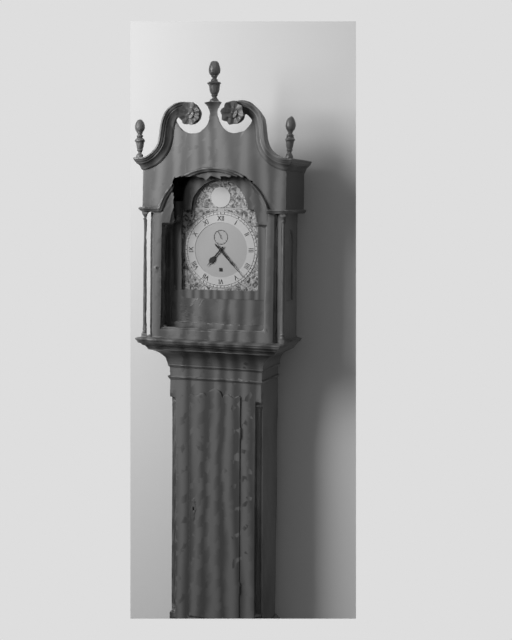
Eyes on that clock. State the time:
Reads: 7:23
